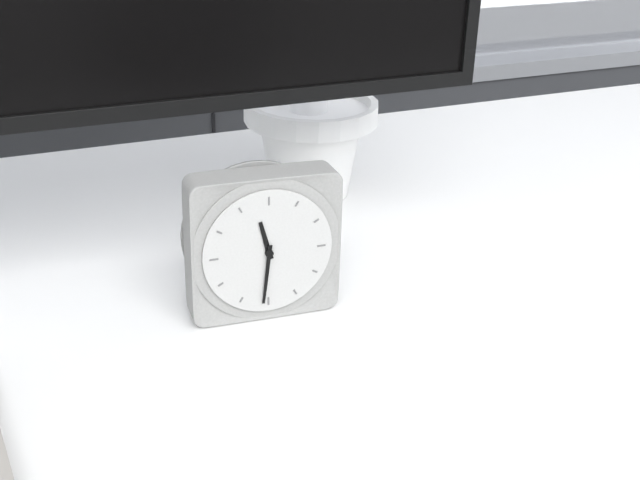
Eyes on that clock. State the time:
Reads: 11:31
